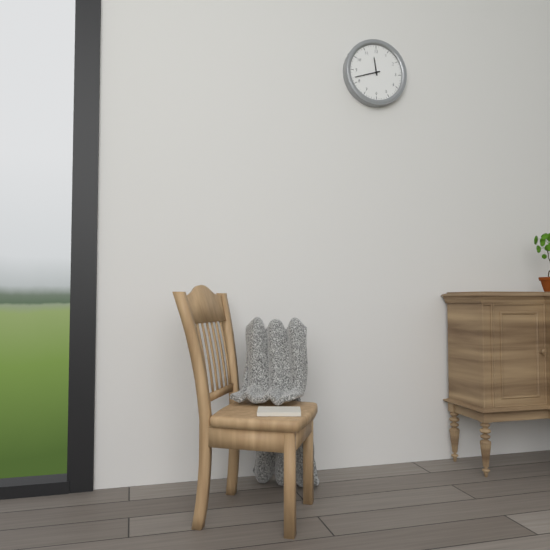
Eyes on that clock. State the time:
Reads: 11:42
